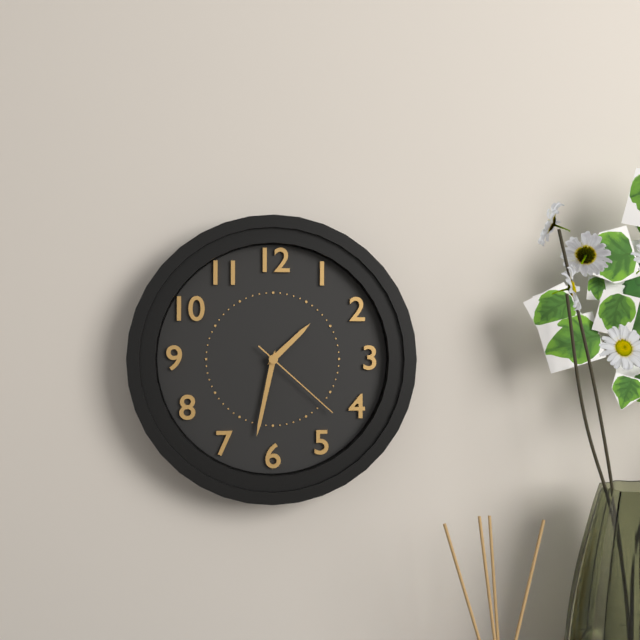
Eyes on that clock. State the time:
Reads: 1:32:22
